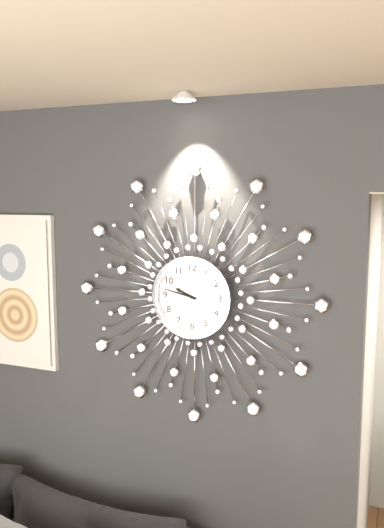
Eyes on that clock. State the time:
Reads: 9:47
